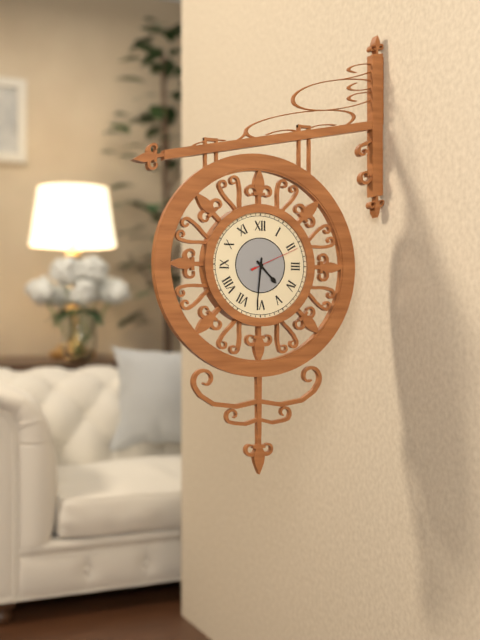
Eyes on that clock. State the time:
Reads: 4:31:11
